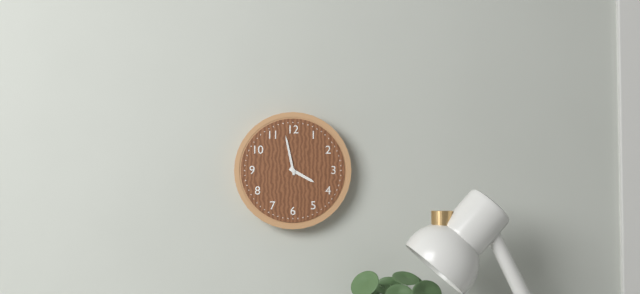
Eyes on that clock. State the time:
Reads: 3:58
